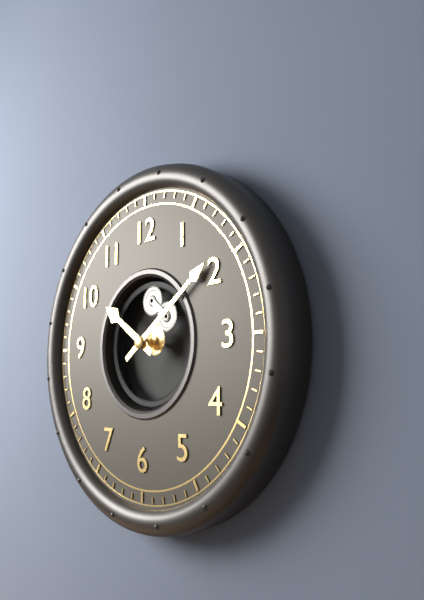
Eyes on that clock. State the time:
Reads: 10:09
